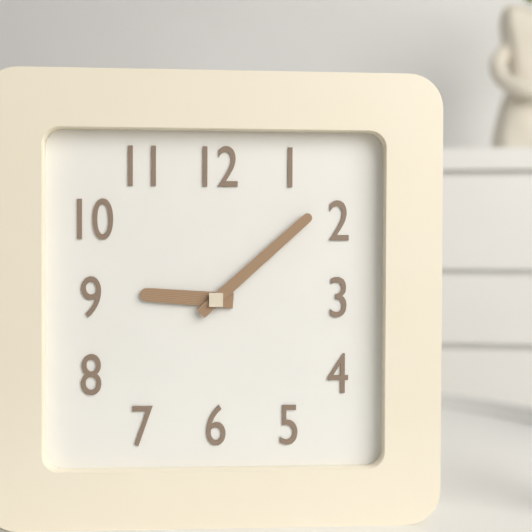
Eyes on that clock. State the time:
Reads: 9:08
